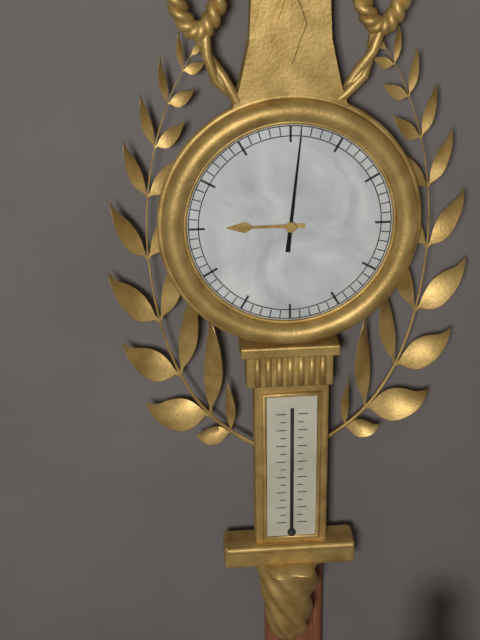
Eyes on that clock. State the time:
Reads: 9:01
